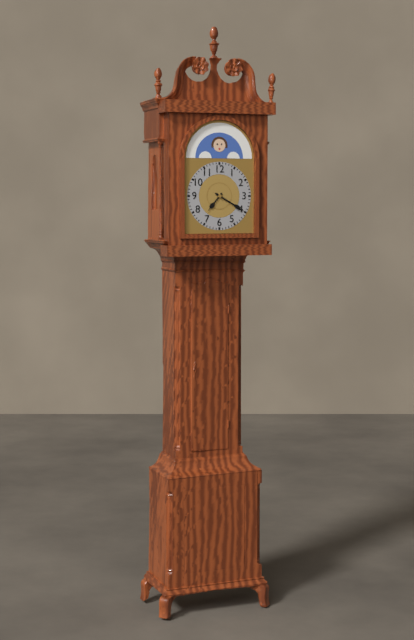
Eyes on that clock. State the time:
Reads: 7:20
